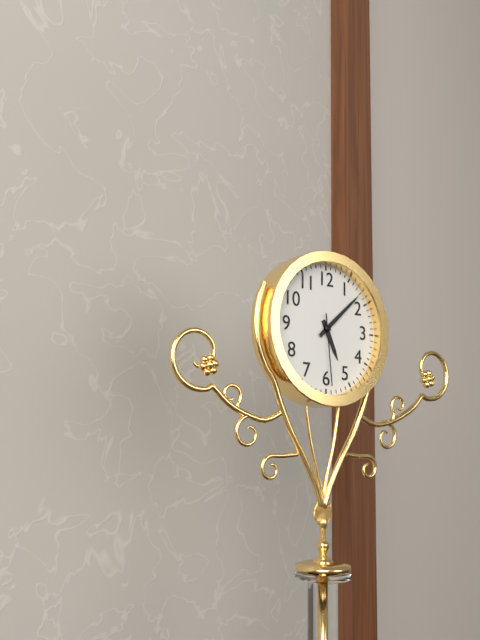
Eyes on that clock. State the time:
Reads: 5:08:29
